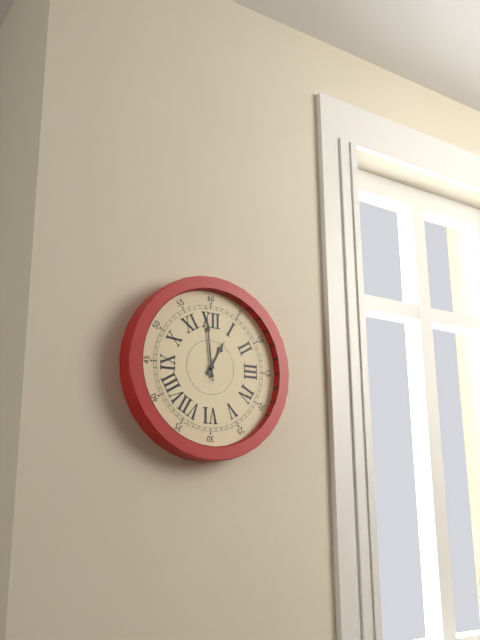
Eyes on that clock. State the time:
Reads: 12:59:59
